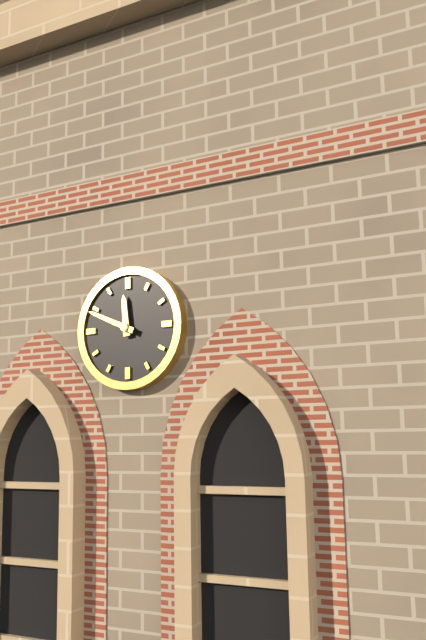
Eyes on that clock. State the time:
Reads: 11:49
